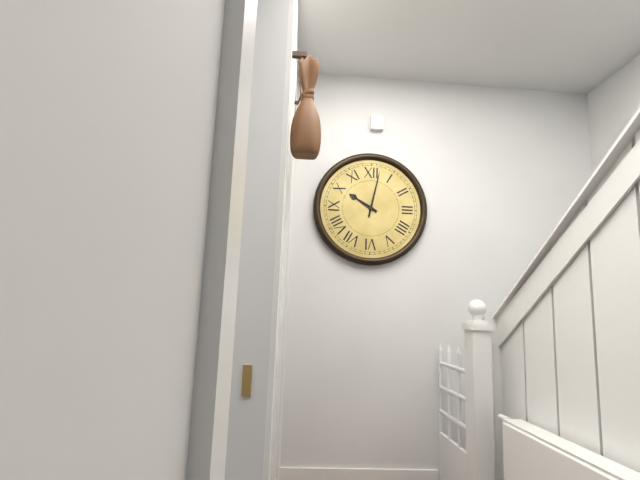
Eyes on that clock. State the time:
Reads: 10:02
